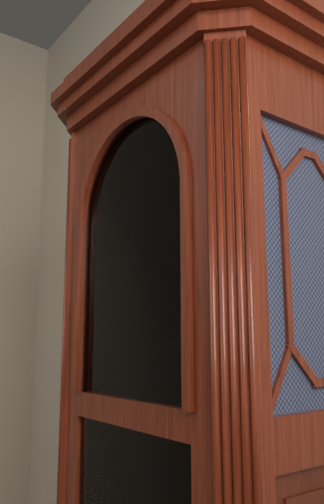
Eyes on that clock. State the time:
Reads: 9:22
